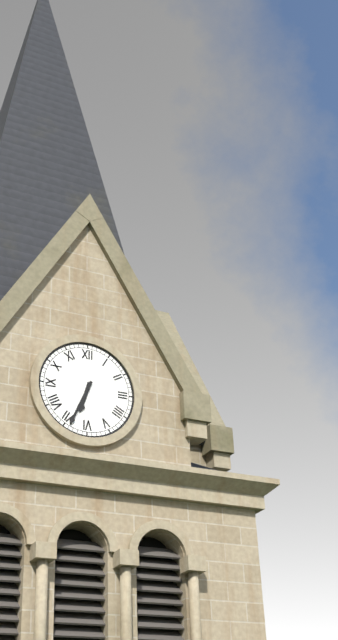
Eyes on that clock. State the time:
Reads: 6:34
